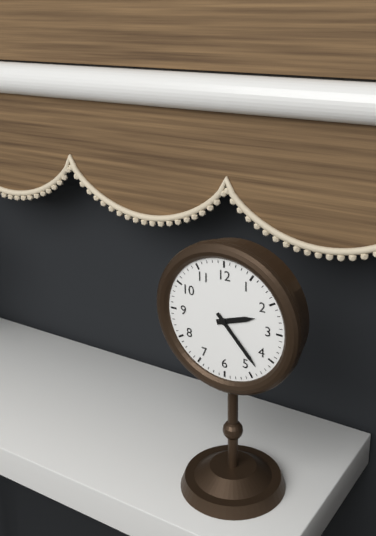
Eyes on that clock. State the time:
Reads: 2:23
